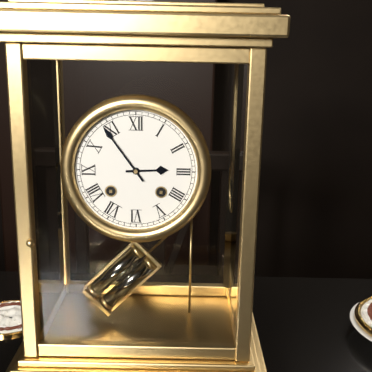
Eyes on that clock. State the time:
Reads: 2:54
